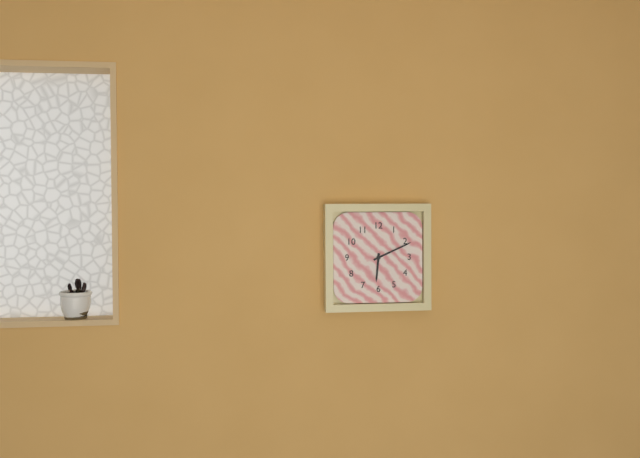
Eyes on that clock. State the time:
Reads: 6:11
